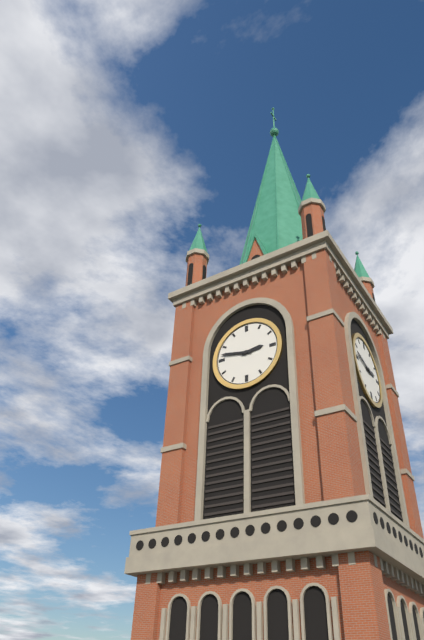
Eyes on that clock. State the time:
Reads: 2:47
